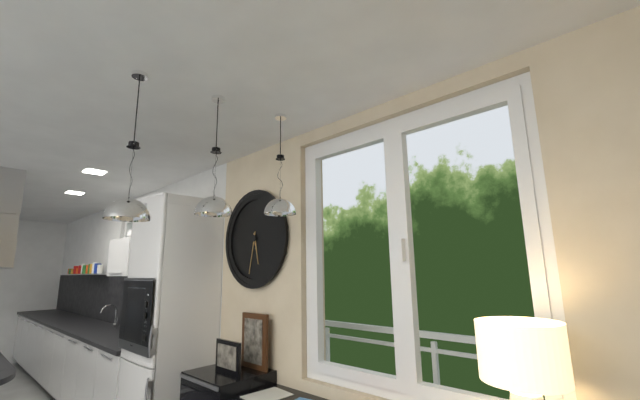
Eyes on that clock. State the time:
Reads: 5:32
